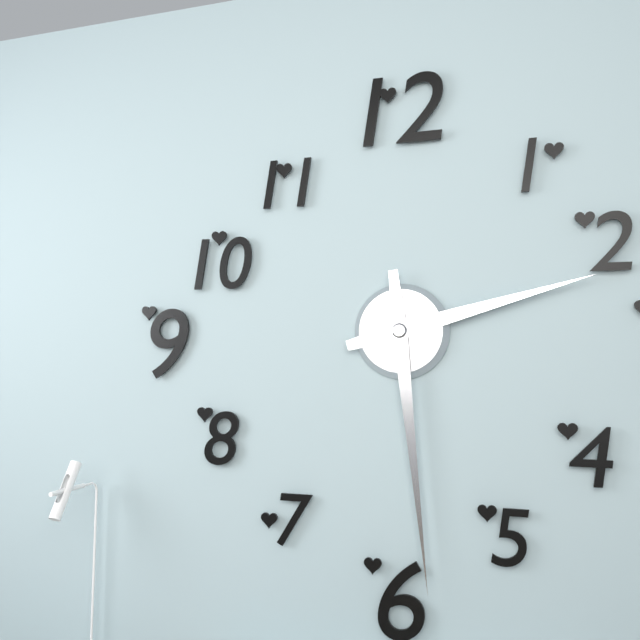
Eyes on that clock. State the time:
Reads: 2:29
